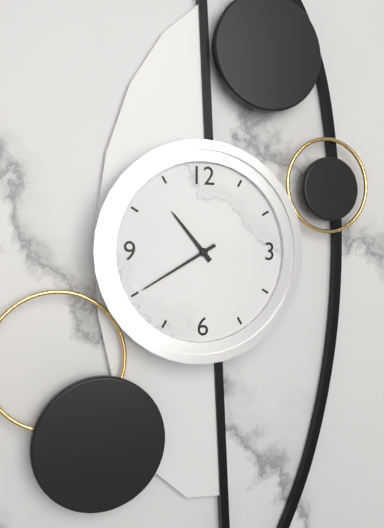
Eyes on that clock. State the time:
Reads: 10:40
